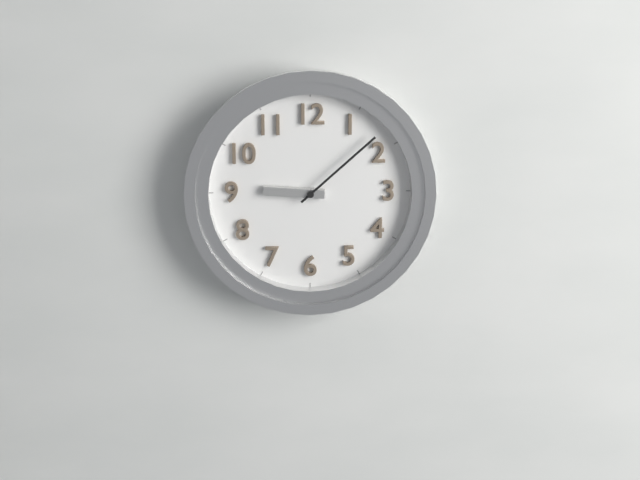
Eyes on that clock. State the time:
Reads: 9:08
